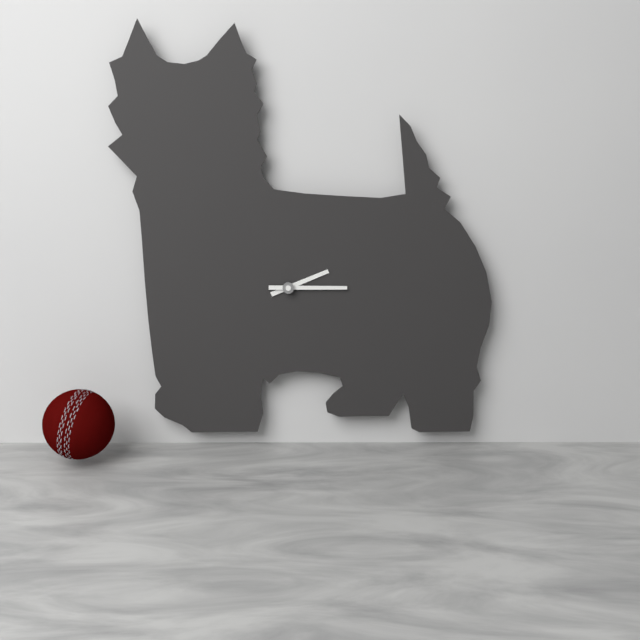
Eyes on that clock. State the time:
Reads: 2:15
